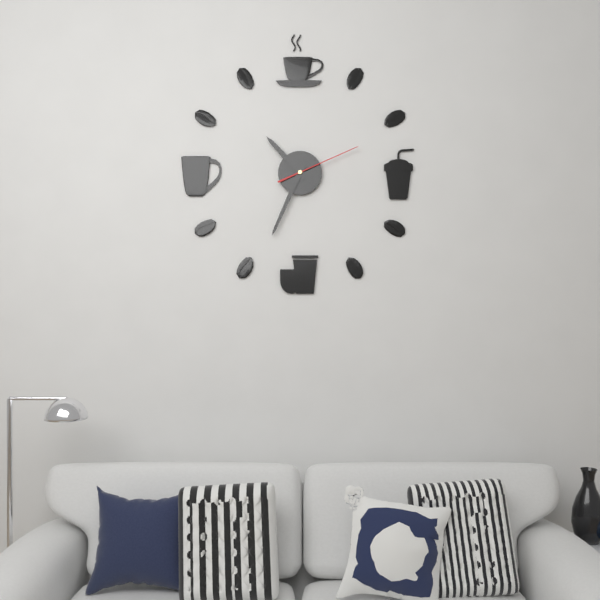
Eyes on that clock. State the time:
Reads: 10:34:11
